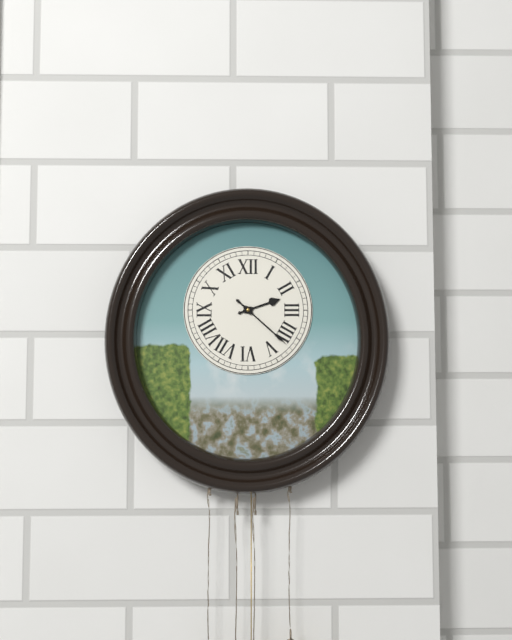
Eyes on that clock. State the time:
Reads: 2:22
